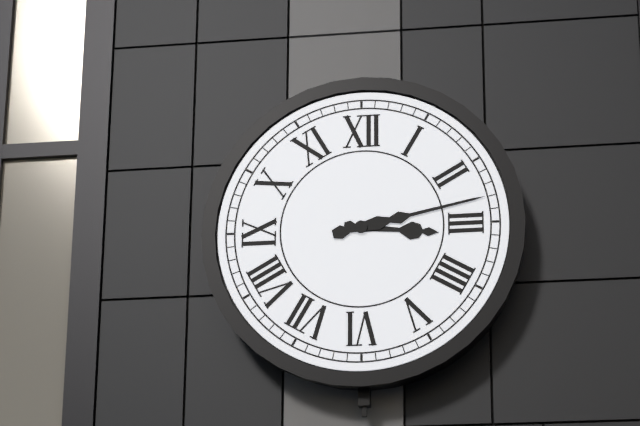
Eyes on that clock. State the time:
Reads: 3:13
